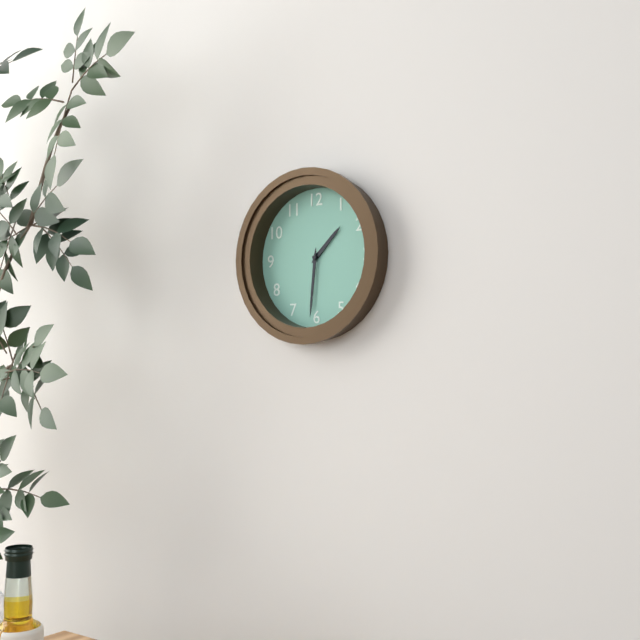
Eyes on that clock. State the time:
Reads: 1:31
